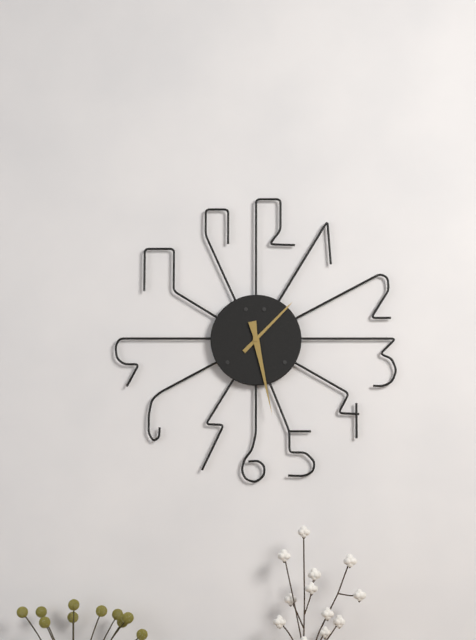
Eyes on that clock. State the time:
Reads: 1:28
